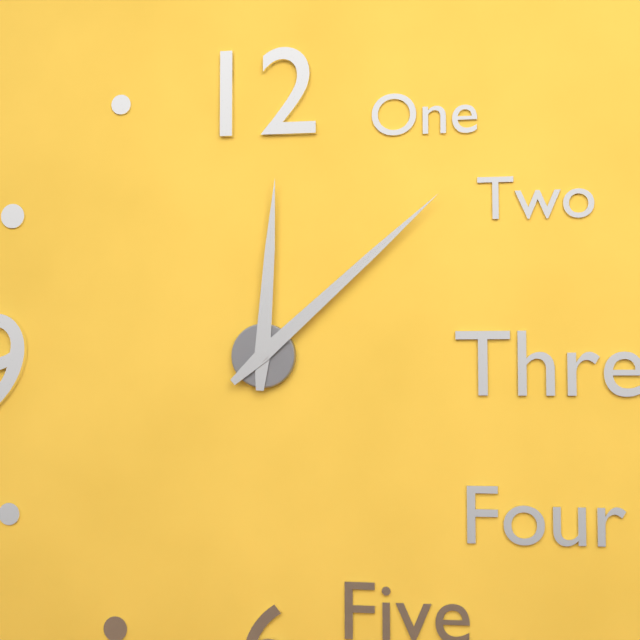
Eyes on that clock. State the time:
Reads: 12:08
